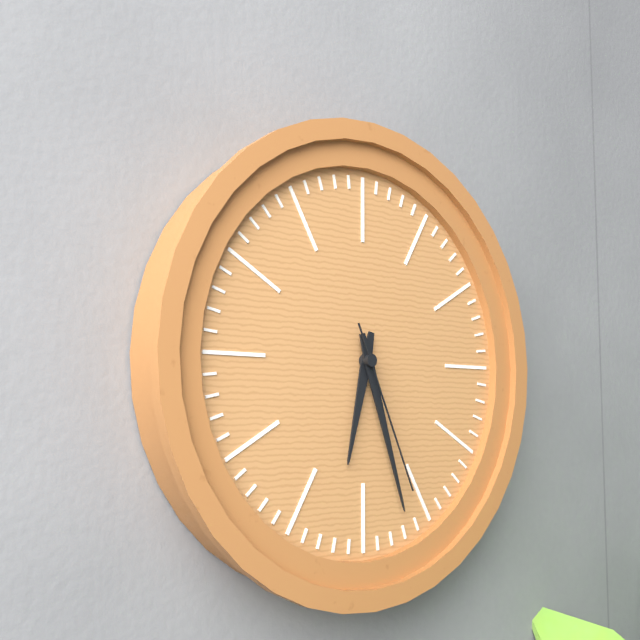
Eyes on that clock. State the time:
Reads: 6:27:26
